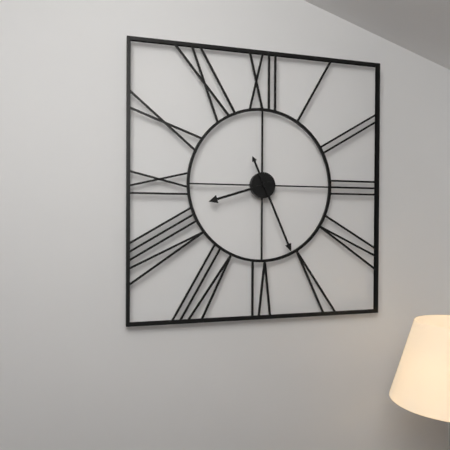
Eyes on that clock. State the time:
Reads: 8:26
